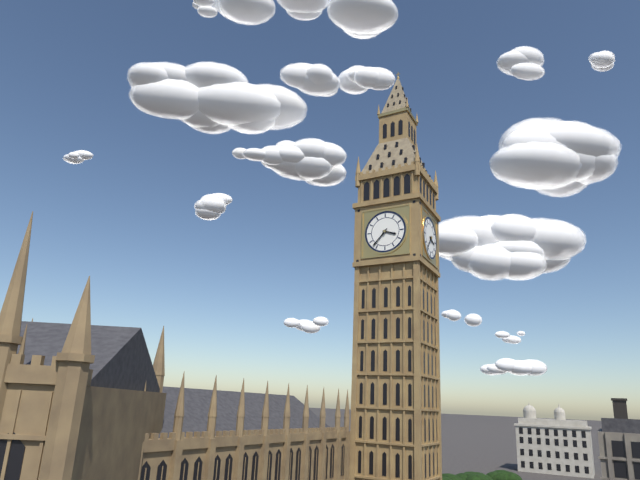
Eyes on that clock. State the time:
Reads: 3:37
